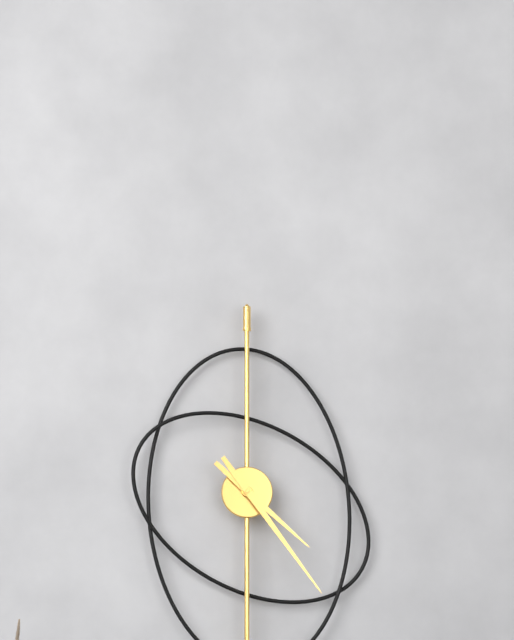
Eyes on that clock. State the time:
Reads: 4:24
